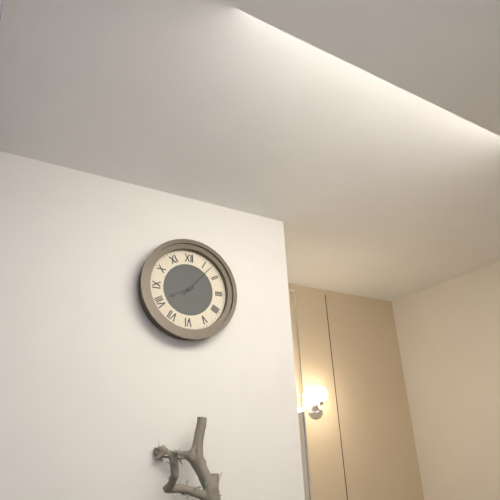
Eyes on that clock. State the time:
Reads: 8:07
